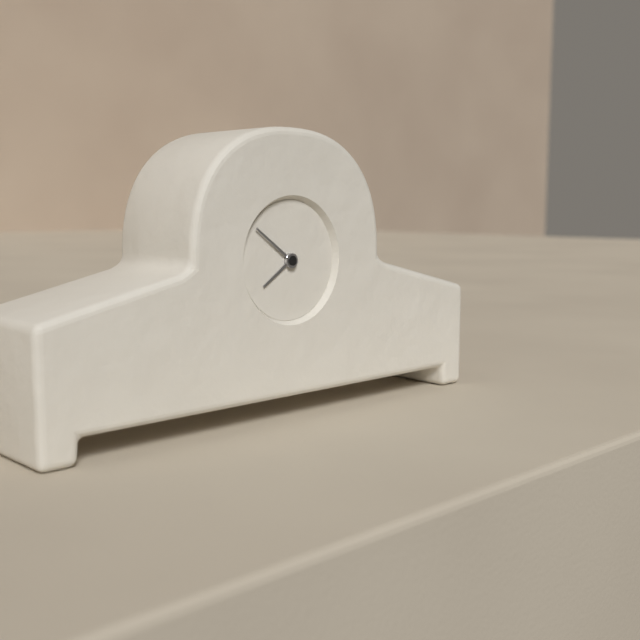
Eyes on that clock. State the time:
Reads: 7:51
